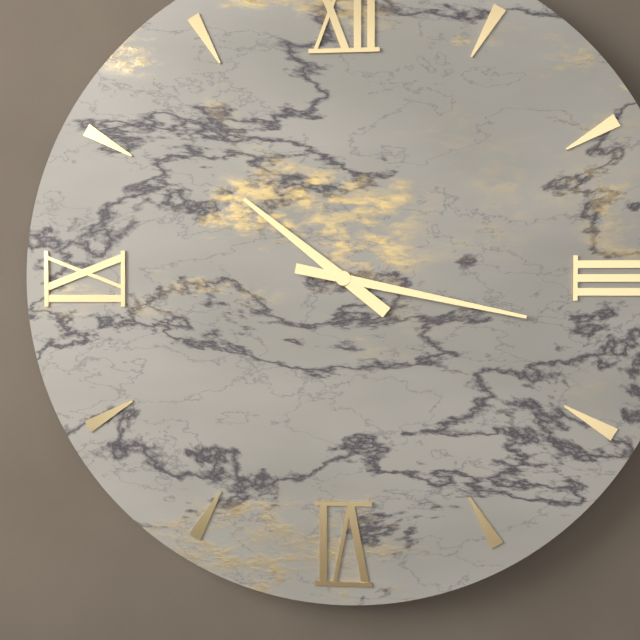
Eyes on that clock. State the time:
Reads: 10:17
